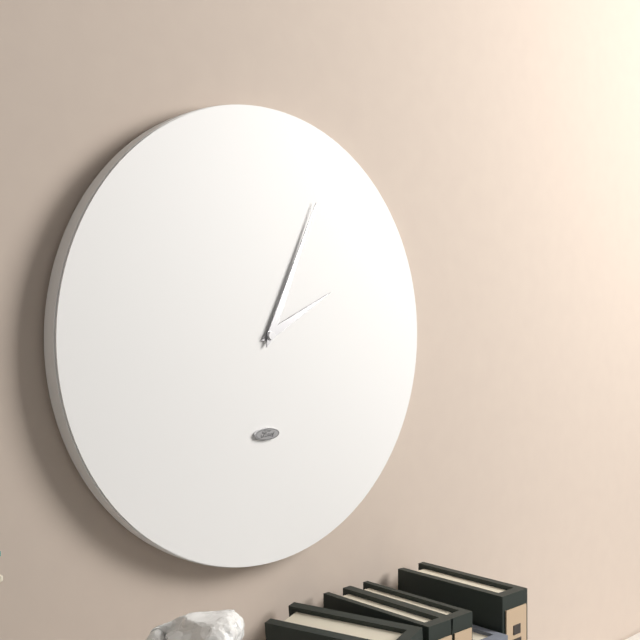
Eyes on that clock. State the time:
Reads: 2:04
